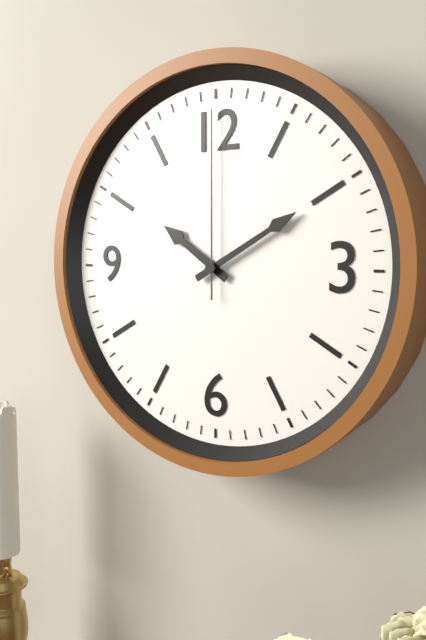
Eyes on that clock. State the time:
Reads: 10:10:00
